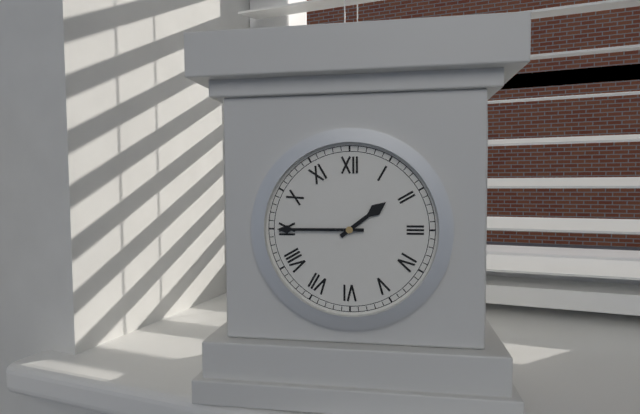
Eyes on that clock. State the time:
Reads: 1:45
